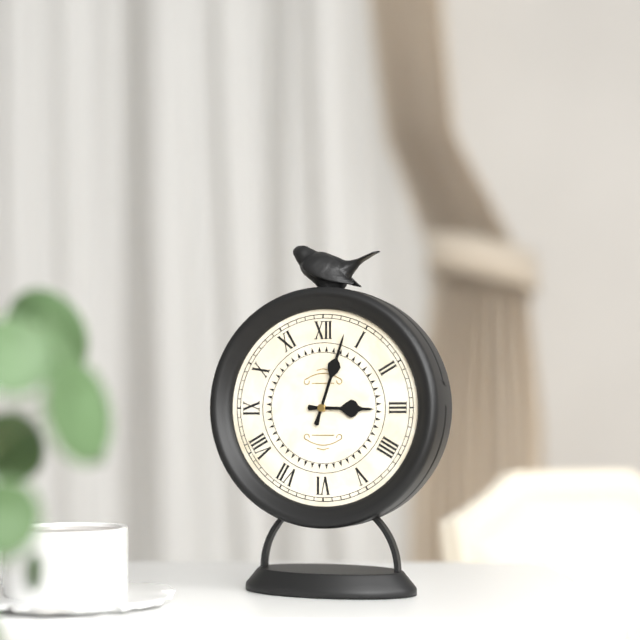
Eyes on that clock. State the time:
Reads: 3:03
